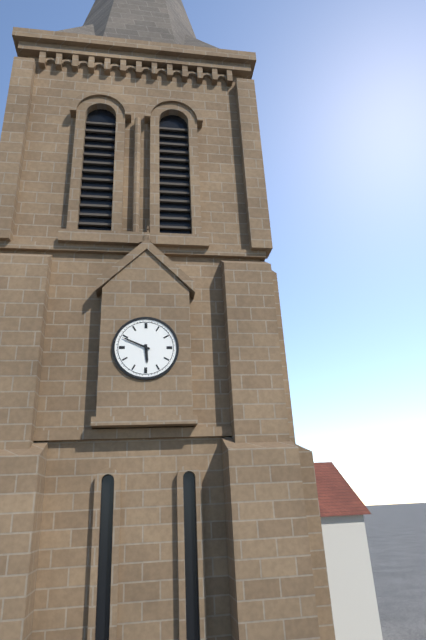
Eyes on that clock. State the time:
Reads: 5:49
